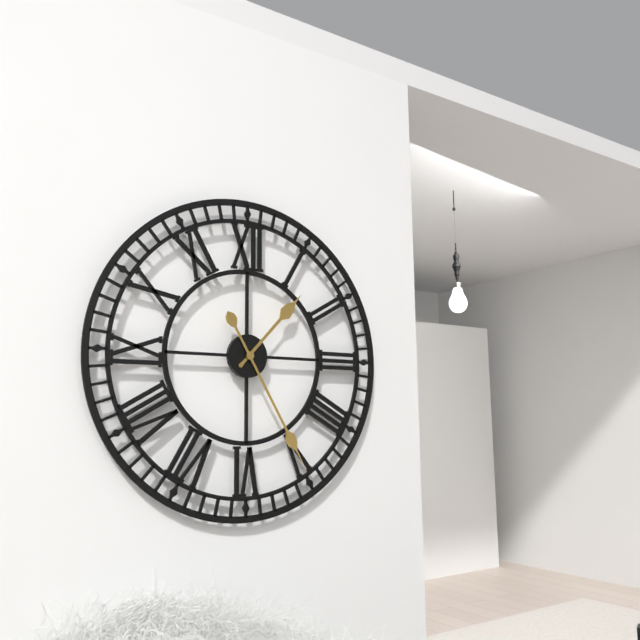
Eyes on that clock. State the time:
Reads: 1:25
